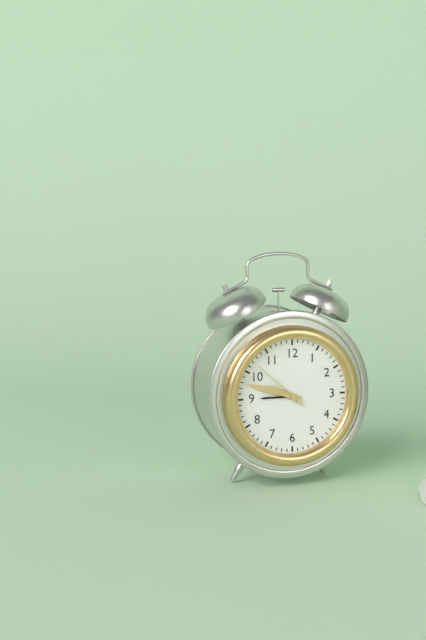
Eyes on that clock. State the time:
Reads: 9:48:52
